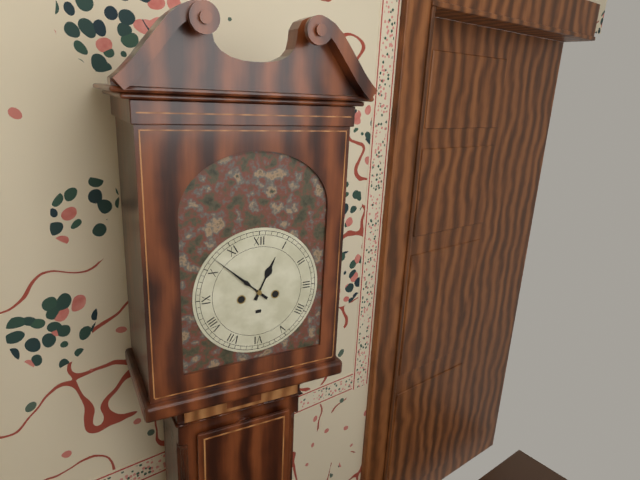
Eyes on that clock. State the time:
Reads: 12:52
